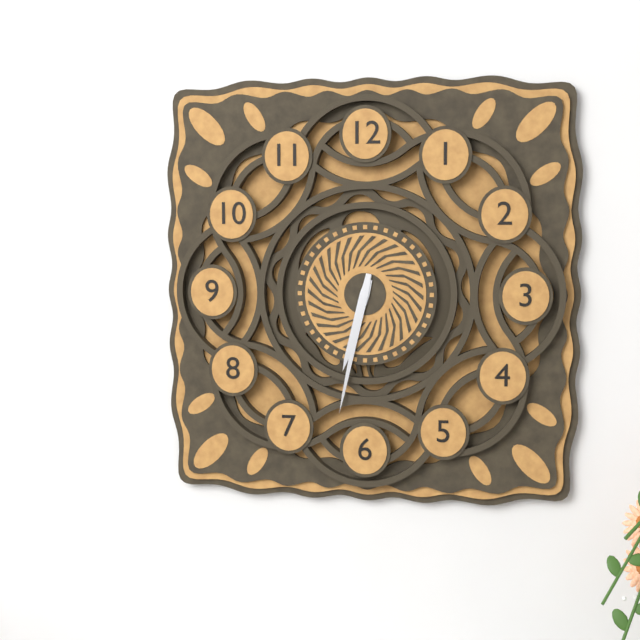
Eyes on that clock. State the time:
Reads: 6:32
